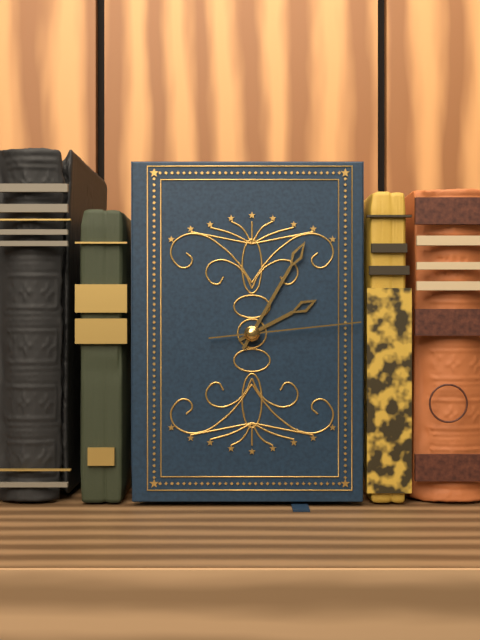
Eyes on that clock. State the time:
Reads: 2:05:14
